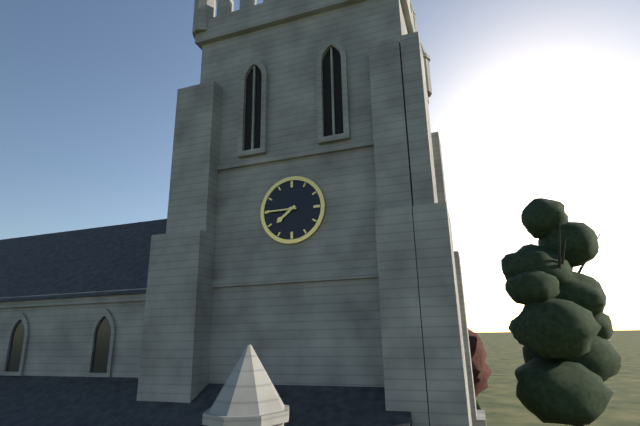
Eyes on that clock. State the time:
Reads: 7:45
